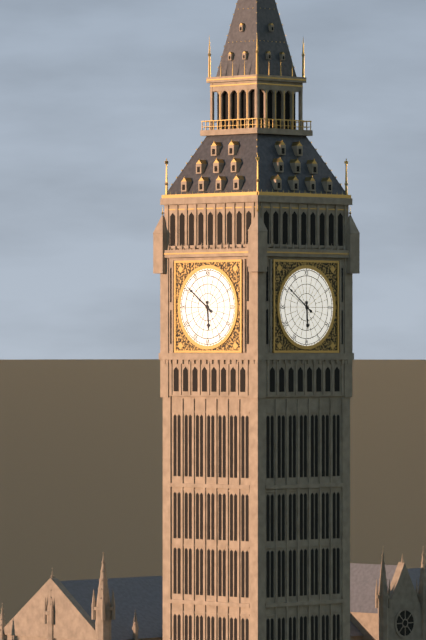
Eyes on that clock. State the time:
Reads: 5:51
